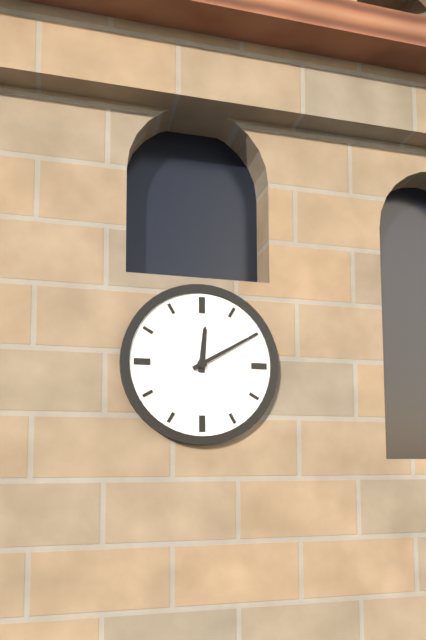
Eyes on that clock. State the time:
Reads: 12:10
